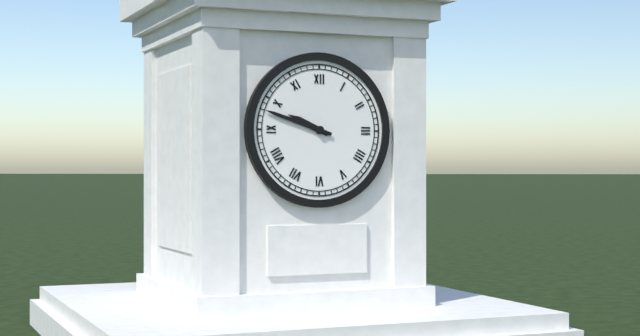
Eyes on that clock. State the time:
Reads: 9:48
